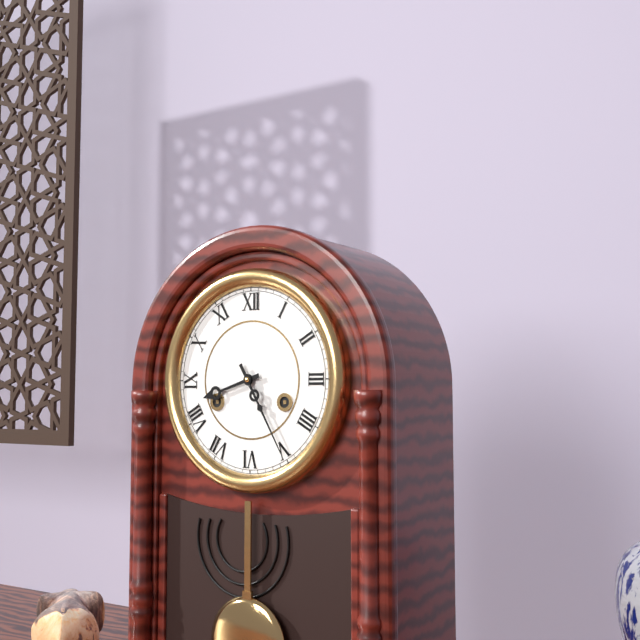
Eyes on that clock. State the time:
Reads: 8:25
